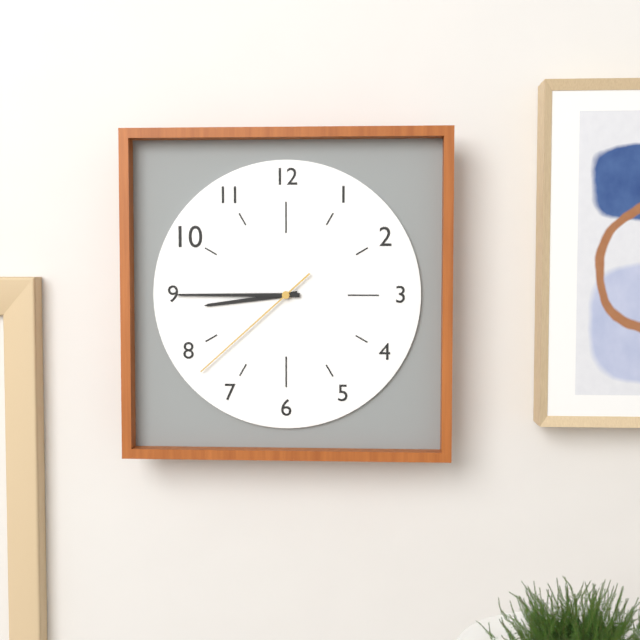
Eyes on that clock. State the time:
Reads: 8:45:38
